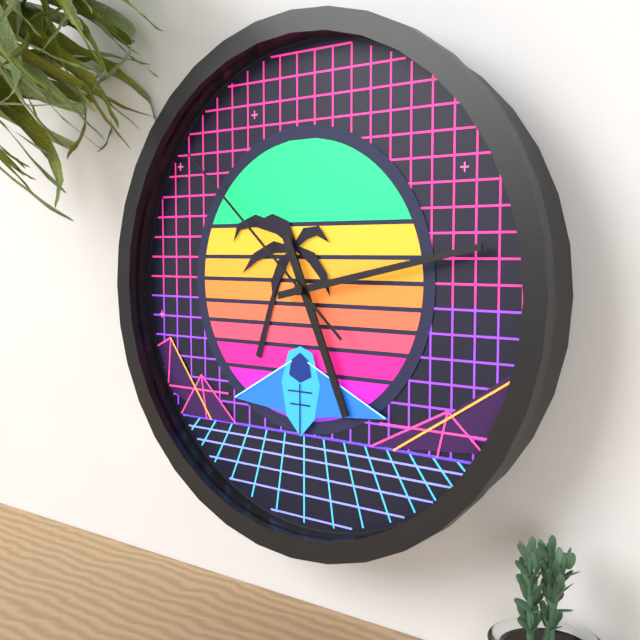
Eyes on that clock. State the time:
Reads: 5:13:52
